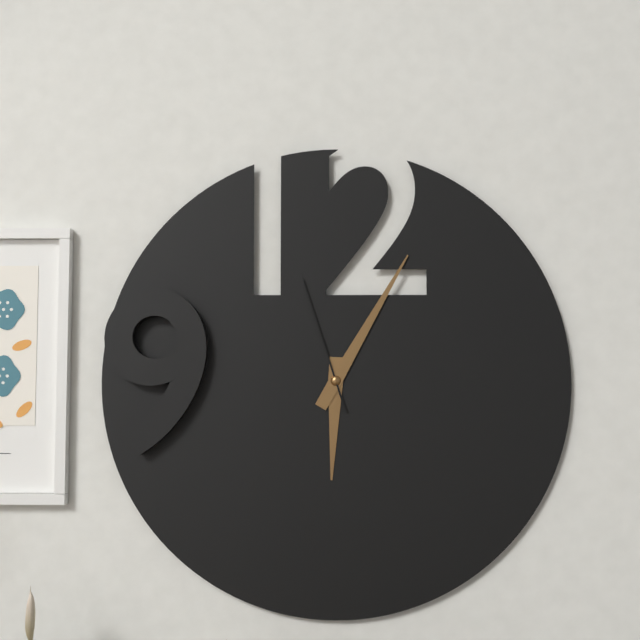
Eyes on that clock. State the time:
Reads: 6:05:57
